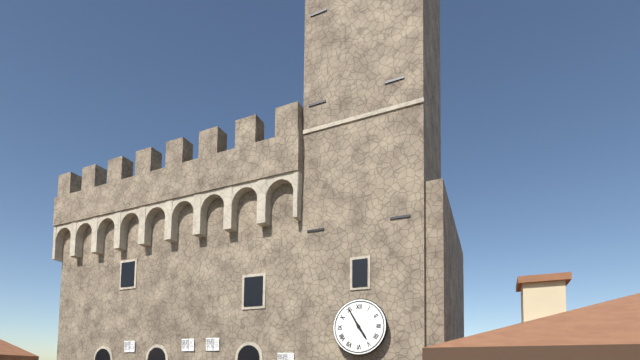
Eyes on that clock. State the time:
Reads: 4:55
